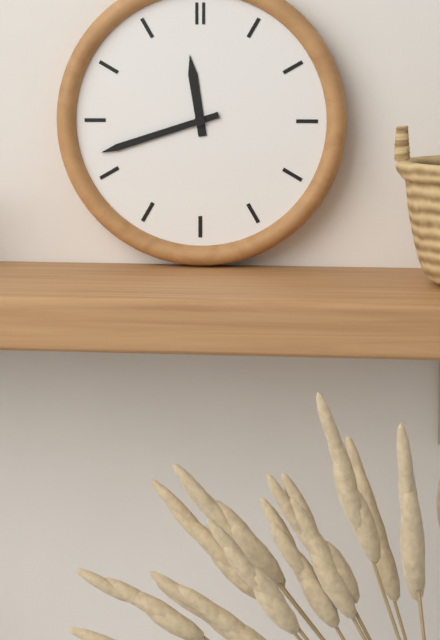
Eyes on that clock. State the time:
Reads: 11:42
